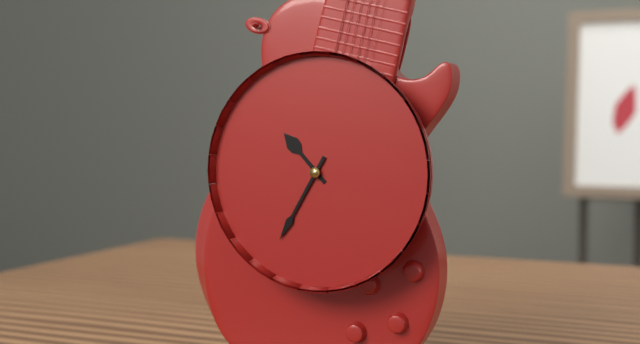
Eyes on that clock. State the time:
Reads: 10:35
